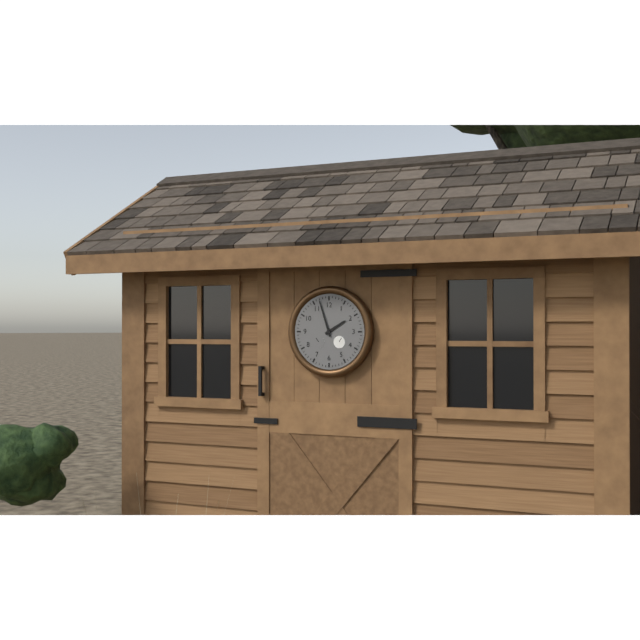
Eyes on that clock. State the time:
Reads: 1:57
